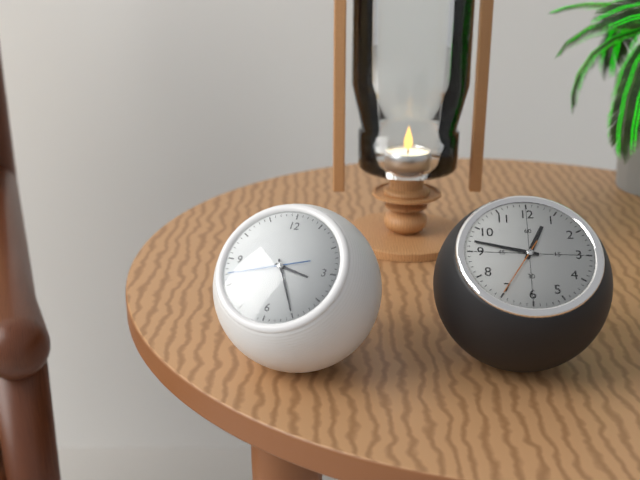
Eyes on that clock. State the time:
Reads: 3:25:42
